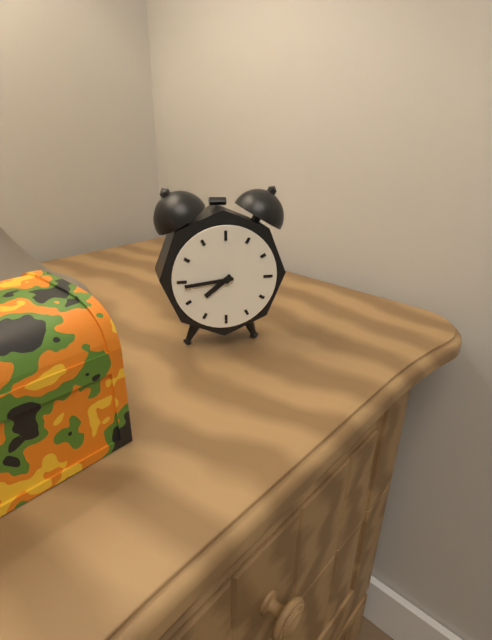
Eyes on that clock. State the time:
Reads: 7:44
